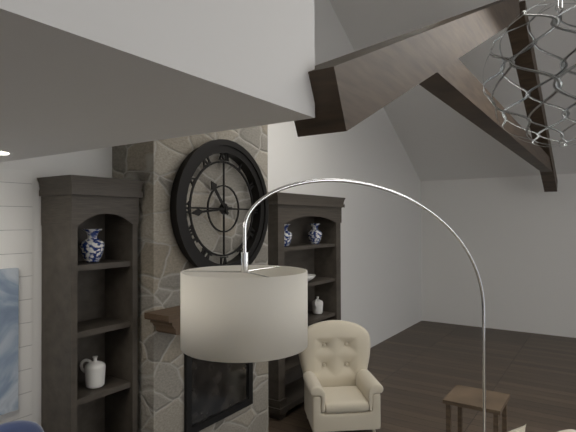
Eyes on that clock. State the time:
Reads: 10:44
